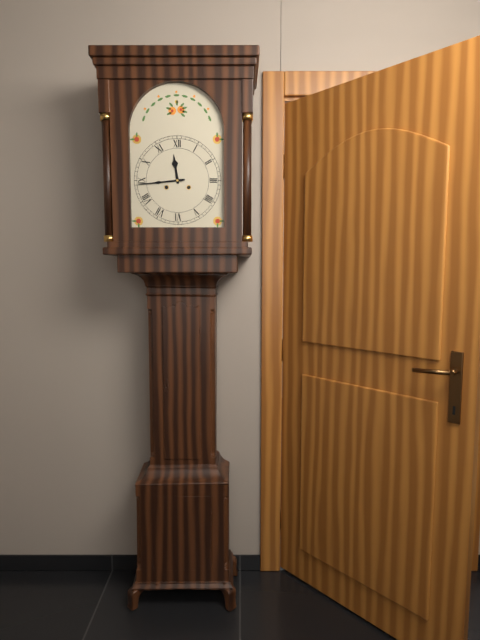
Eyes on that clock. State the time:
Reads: 11:44
